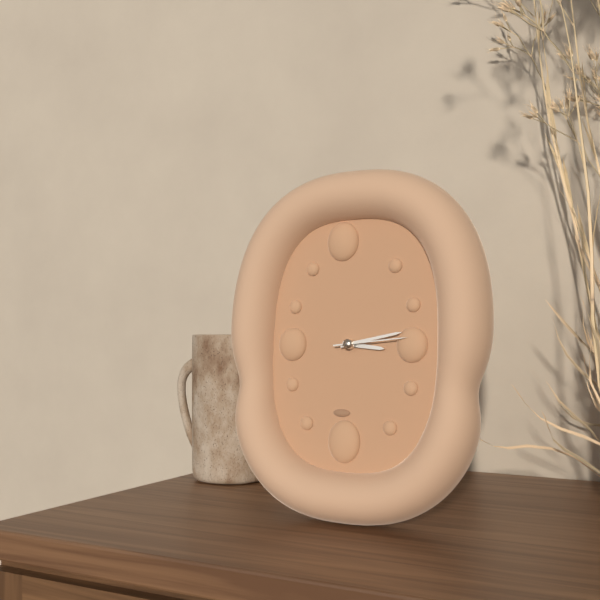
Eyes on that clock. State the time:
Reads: 3:13:14
